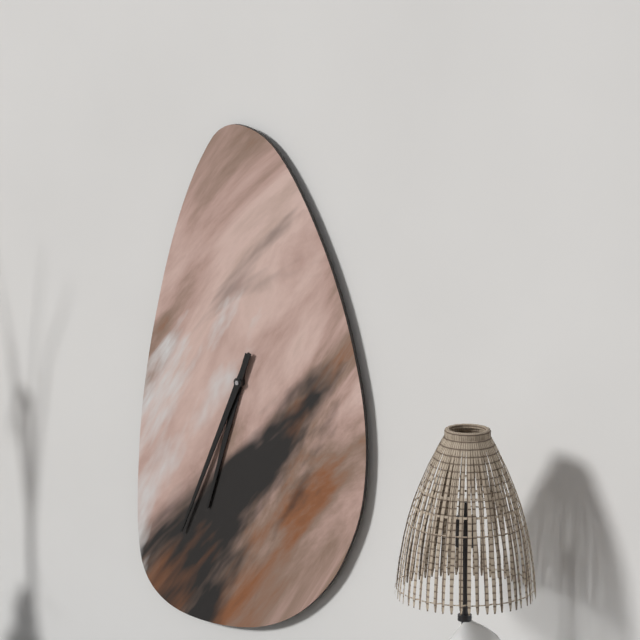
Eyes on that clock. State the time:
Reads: 6:34
